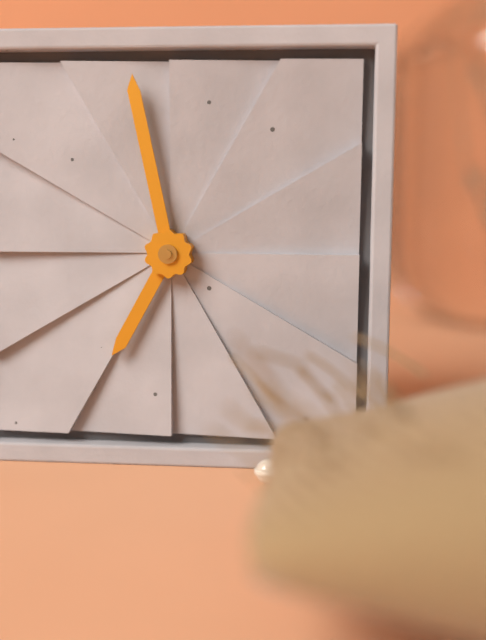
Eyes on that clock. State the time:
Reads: 6:58
